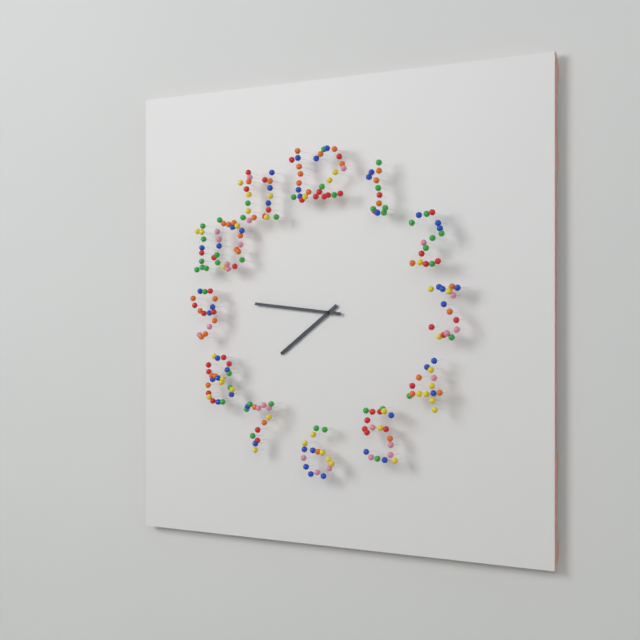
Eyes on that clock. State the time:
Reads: 7:46
